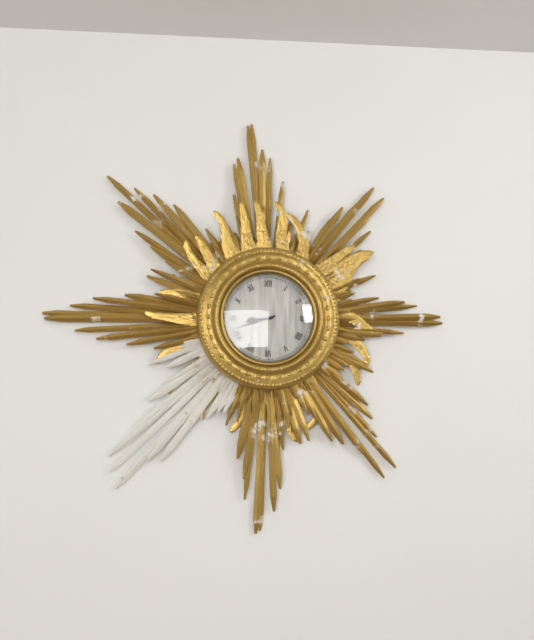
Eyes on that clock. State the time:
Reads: 8:42
